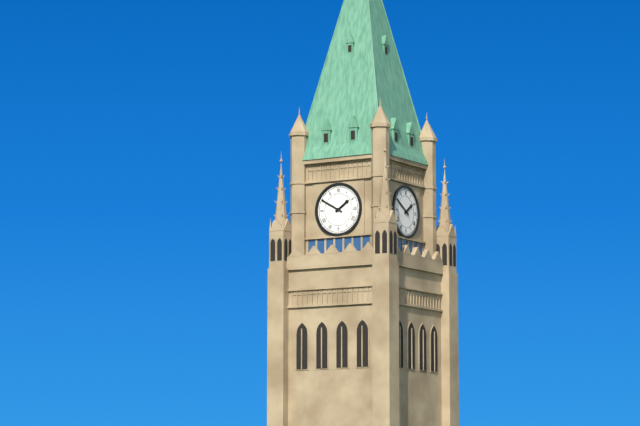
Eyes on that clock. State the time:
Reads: 1:50
